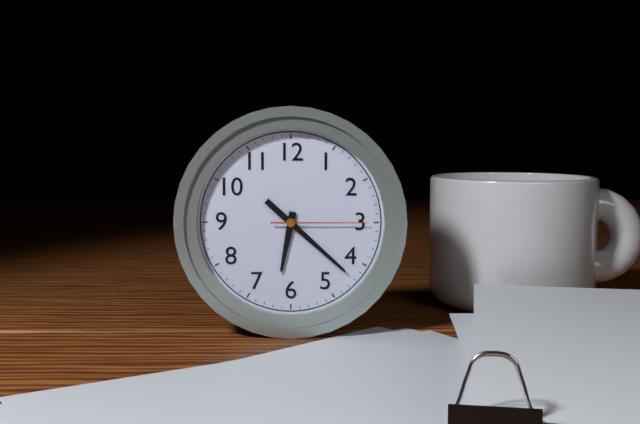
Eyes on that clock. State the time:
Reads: 6:22:15
